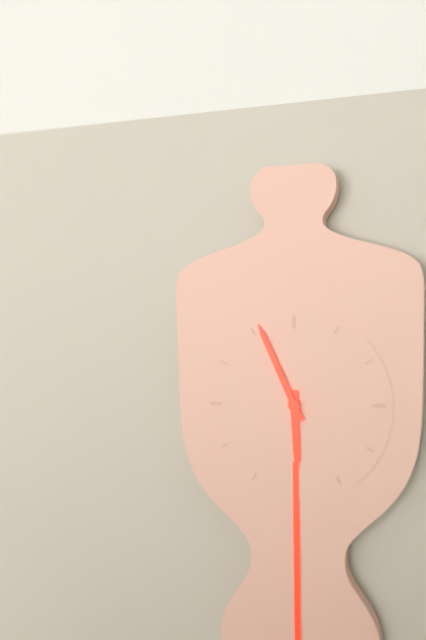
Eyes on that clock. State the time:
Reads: 5:56
